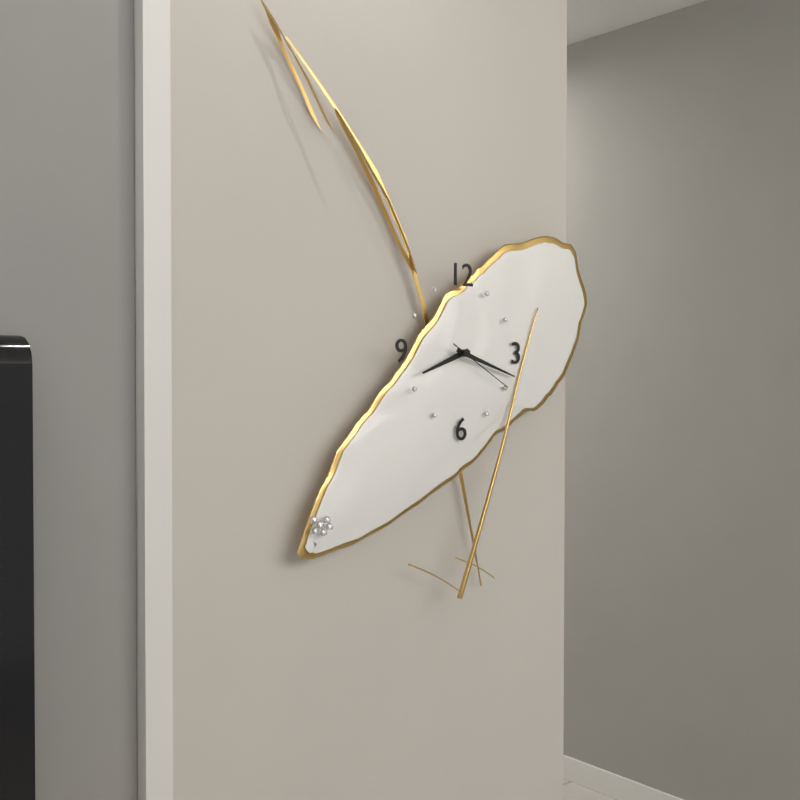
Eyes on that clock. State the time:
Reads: 8:18:20
